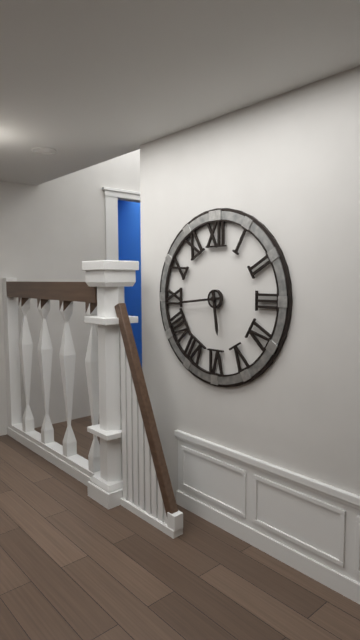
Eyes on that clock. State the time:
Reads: 5:44
